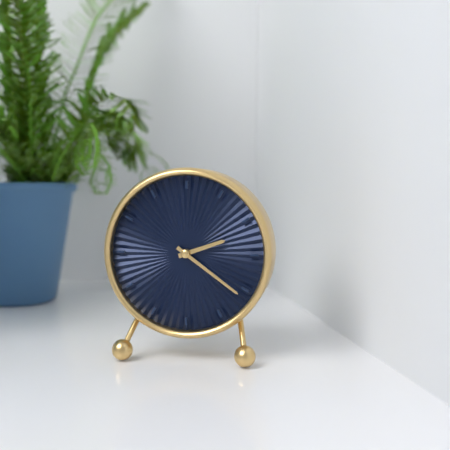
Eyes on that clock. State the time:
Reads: 2:21
